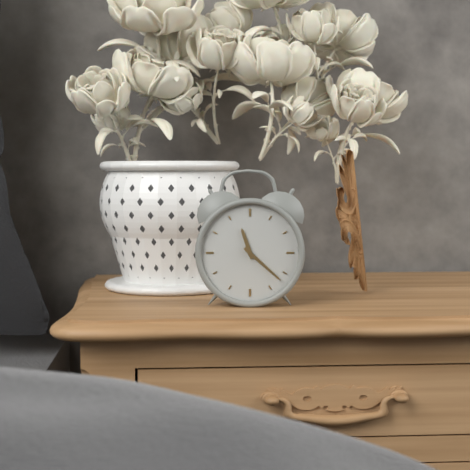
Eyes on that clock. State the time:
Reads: 11:22
